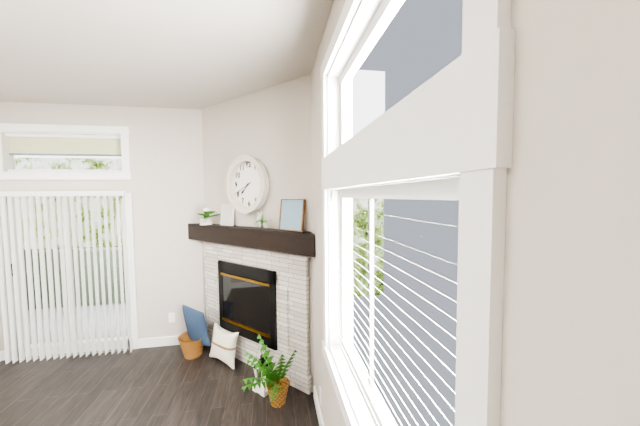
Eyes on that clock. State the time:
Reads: 7:41
